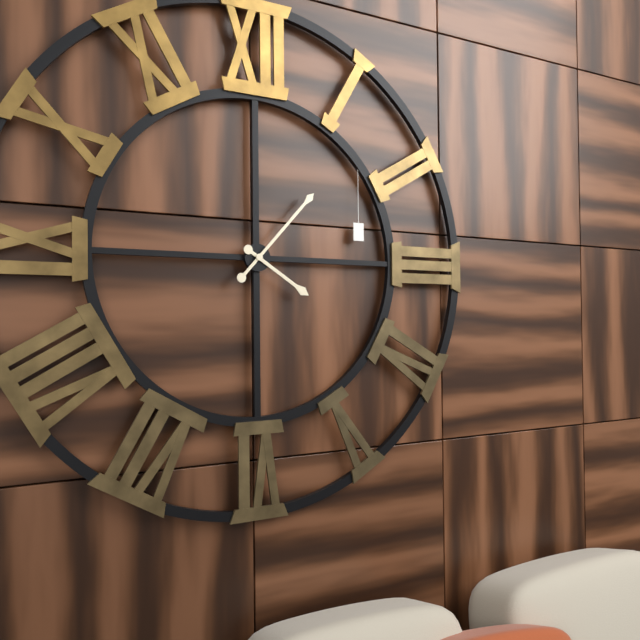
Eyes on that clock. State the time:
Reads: 4:07
